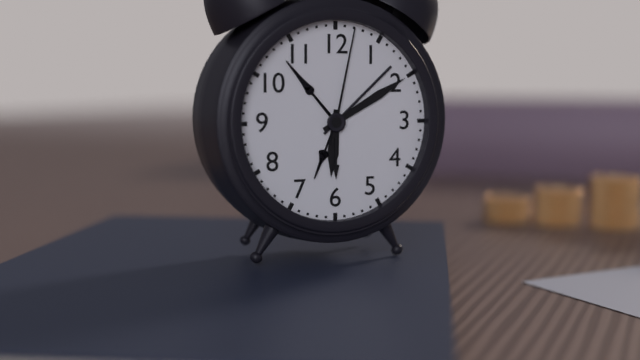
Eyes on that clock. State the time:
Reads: 6:10:02
